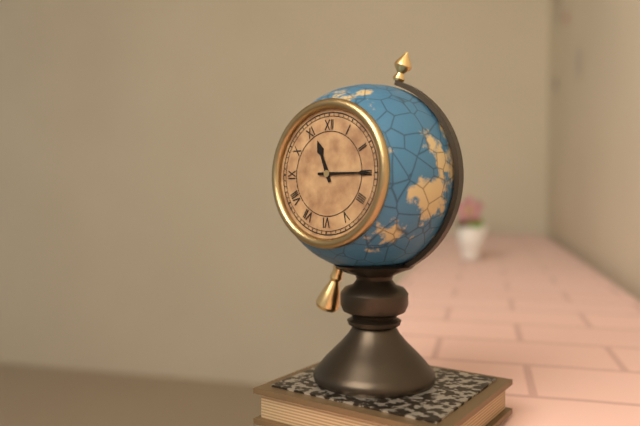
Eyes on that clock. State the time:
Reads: 11:15
